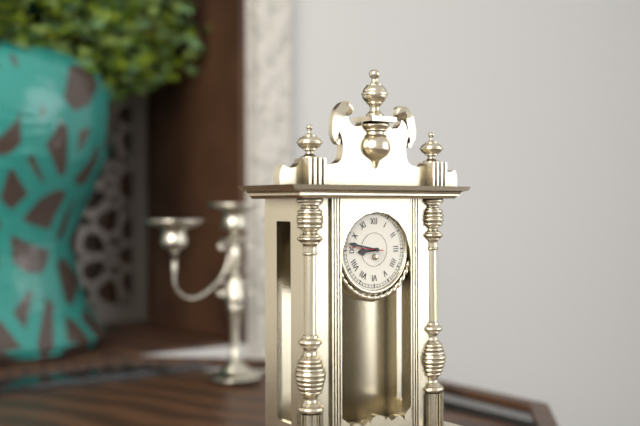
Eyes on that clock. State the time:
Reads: 8:47
